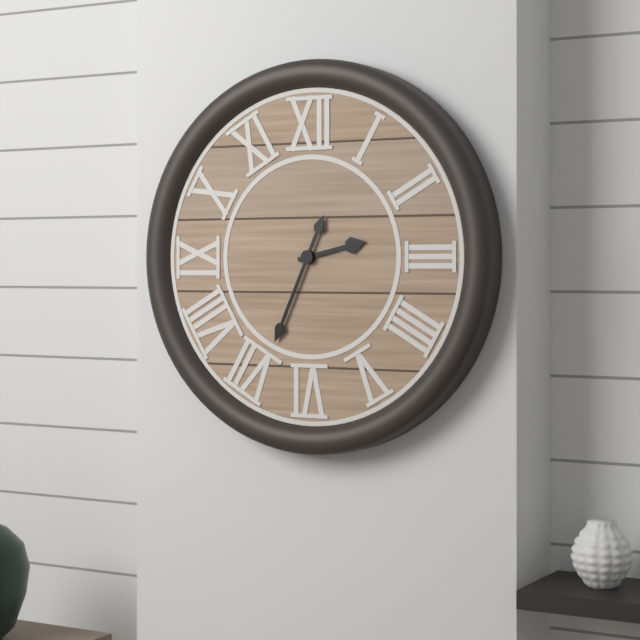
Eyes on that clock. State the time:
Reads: 2:34
